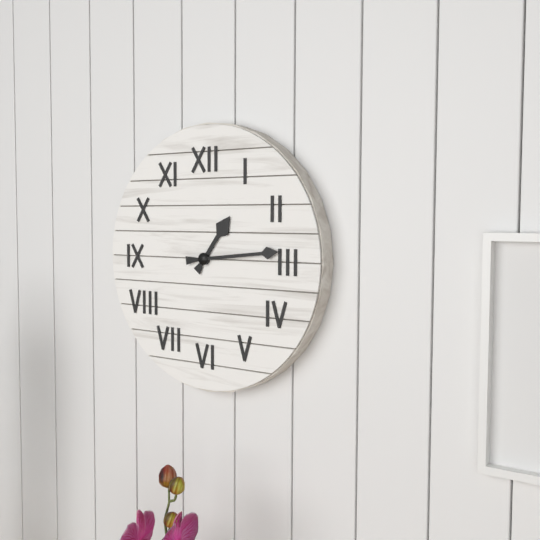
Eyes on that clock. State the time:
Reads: 1:14
